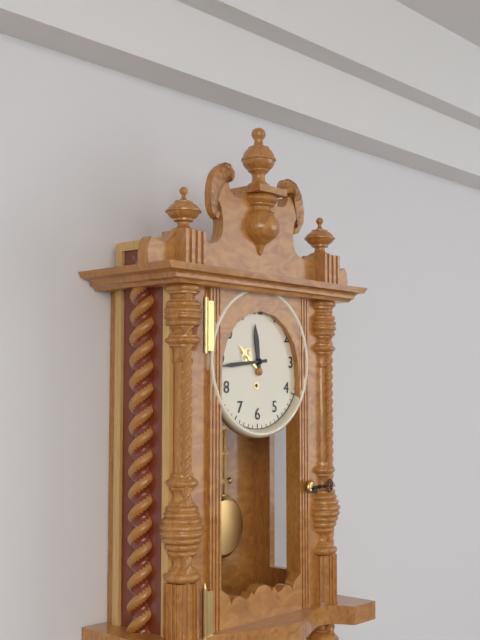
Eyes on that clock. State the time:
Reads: 11:44
